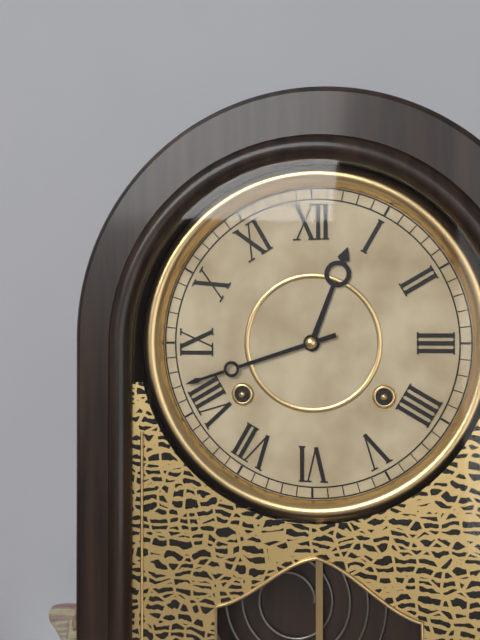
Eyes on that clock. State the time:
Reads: 12:42
